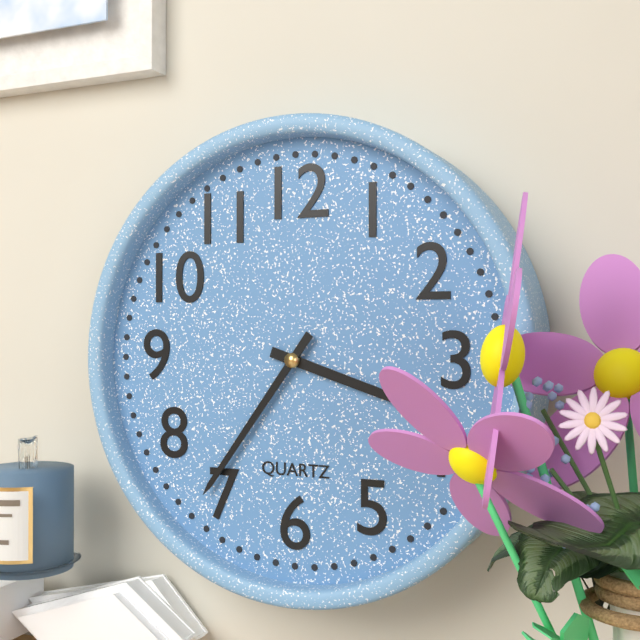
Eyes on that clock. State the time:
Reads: 3:36
